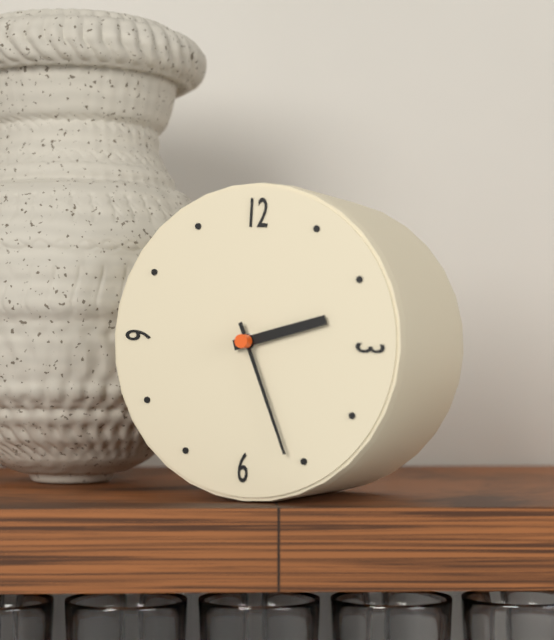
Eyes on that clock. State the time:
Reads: 2:26
